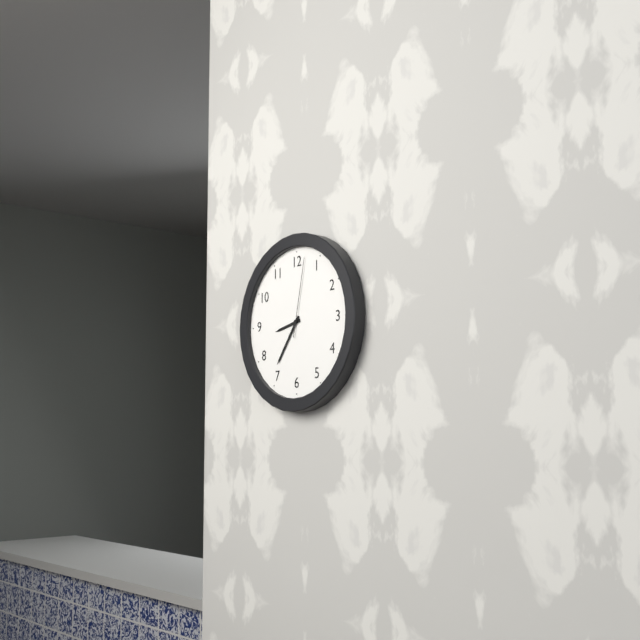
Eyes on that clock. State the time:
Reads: 8:36:02
